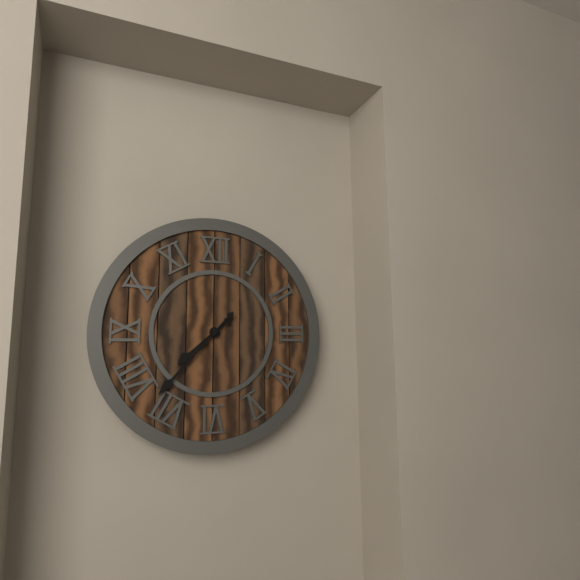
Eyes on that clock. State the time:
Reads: 7:37
